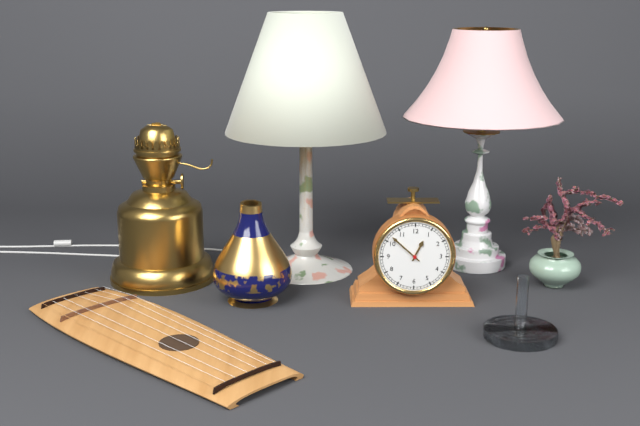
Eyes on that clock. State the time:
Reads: 12:52
